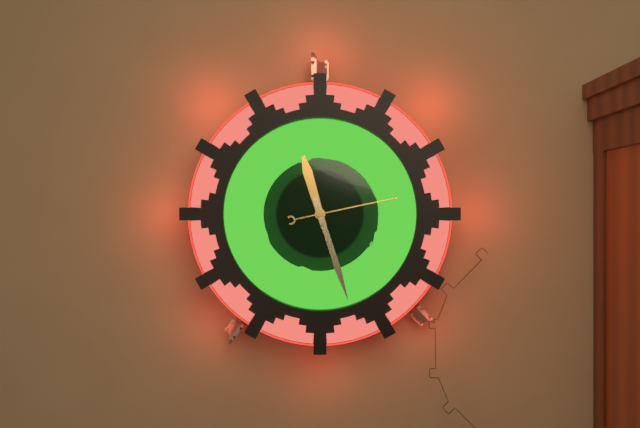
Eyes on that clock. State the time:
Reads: 11:27:13
